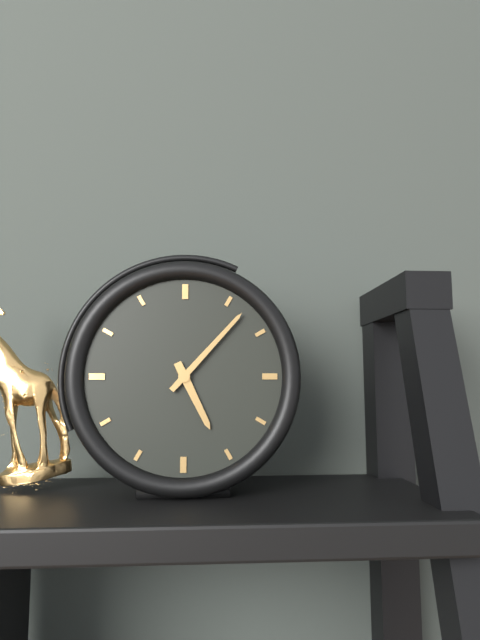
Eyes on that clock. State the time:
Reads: 5:07
